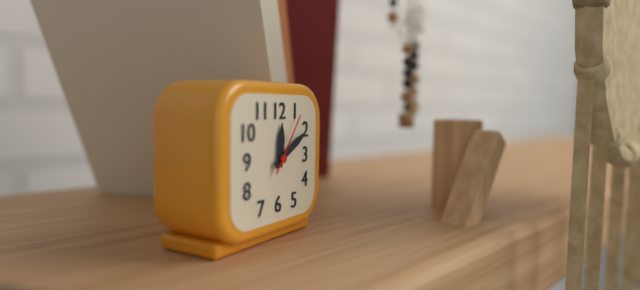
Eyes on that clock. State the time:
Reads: 12:10:06
